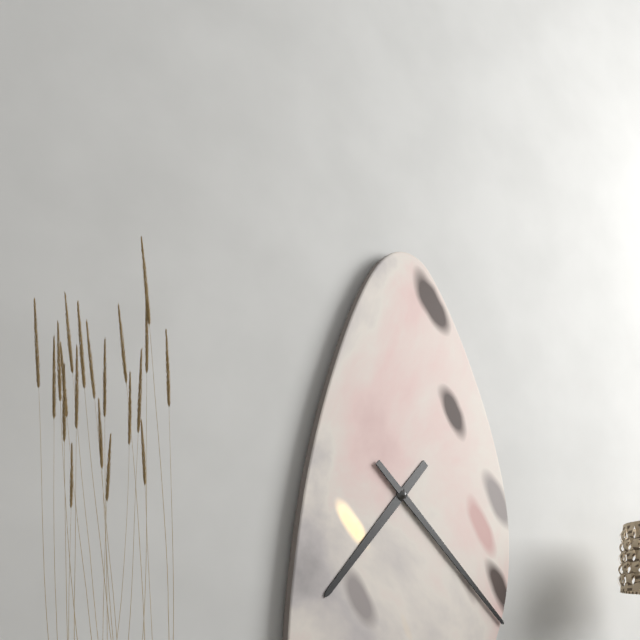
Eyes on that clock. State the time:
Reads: 7:22
